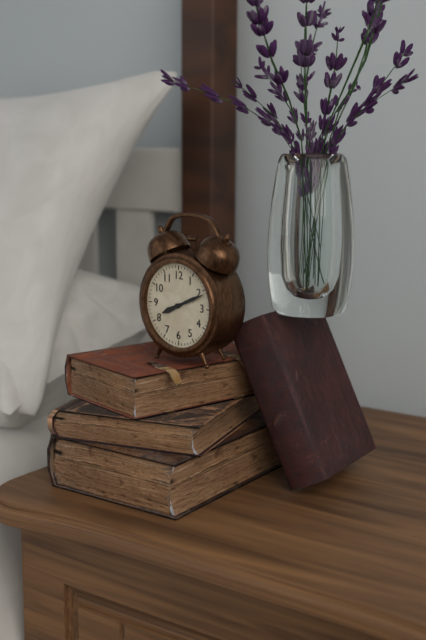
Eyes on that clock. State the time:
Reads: 8:11
